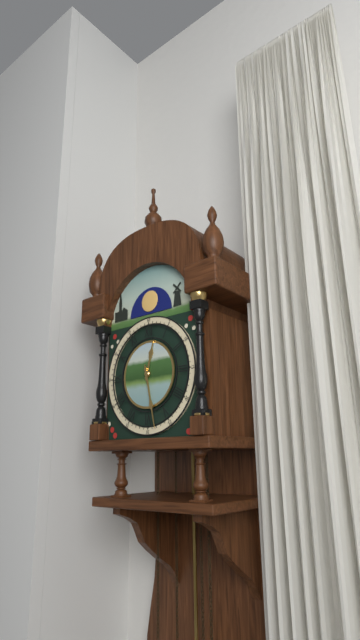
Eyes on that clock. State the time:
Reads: 12:28
